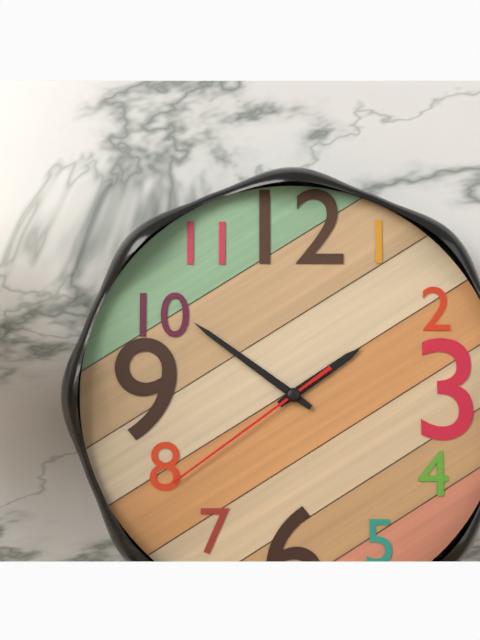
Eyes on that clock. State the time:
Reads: 1:51:39
